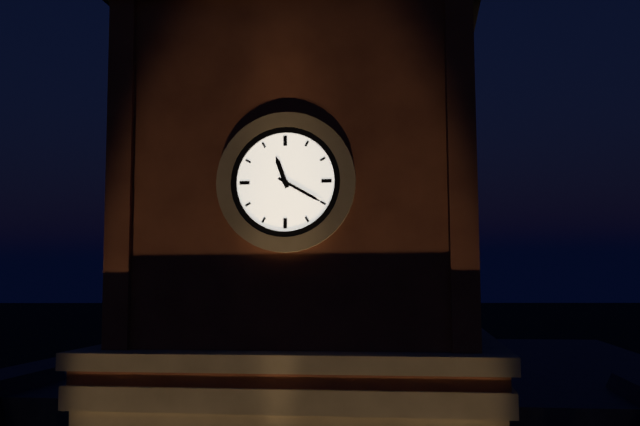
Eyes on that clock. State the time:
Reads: 11:20
